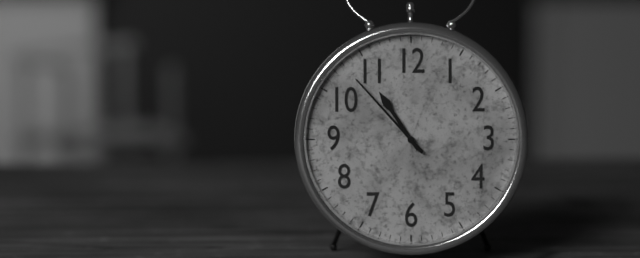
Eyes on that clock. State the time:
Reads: 10:53
